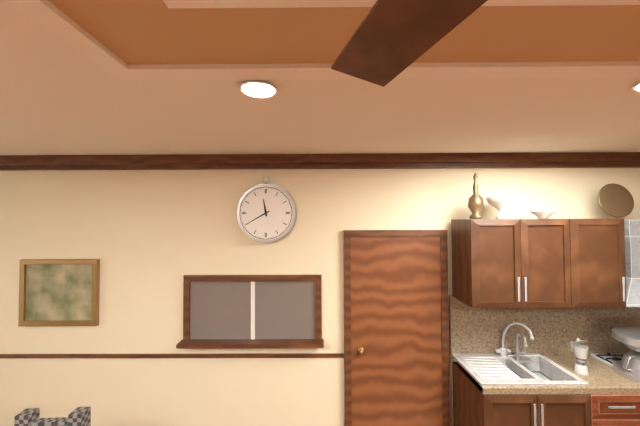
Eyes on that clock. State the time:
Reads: 11:40
